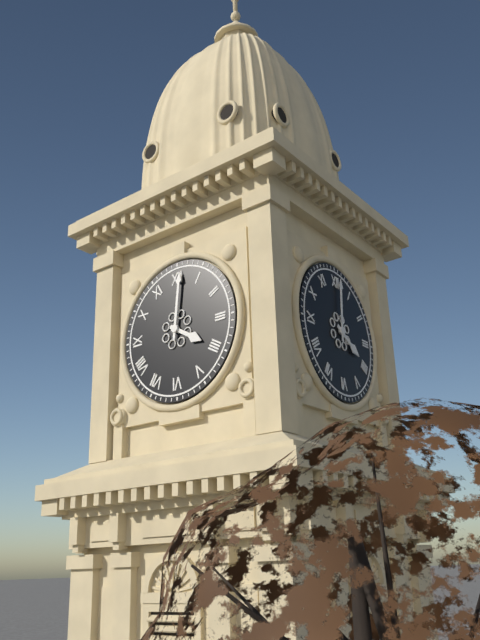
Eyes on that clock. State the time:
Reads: 4:01
